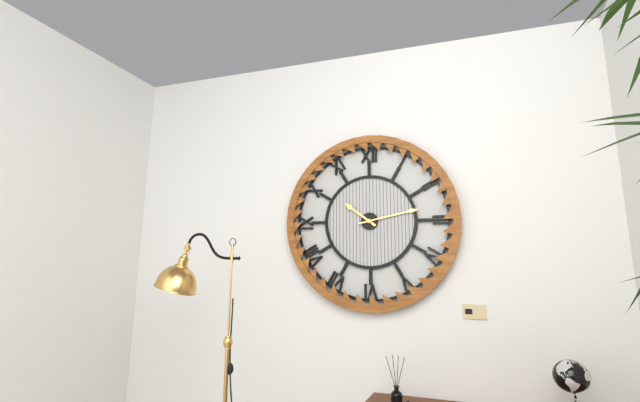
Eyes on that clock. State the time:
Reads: 10:13
